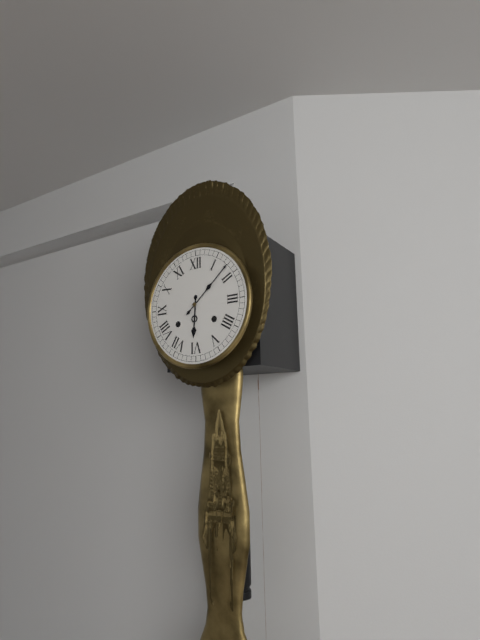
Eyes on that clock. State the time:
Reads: 6:08
